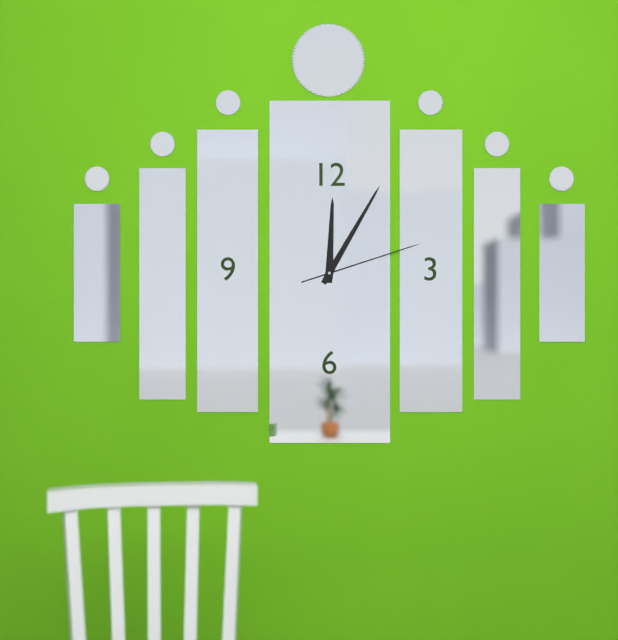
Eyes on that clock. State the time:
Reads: 12:05:12
